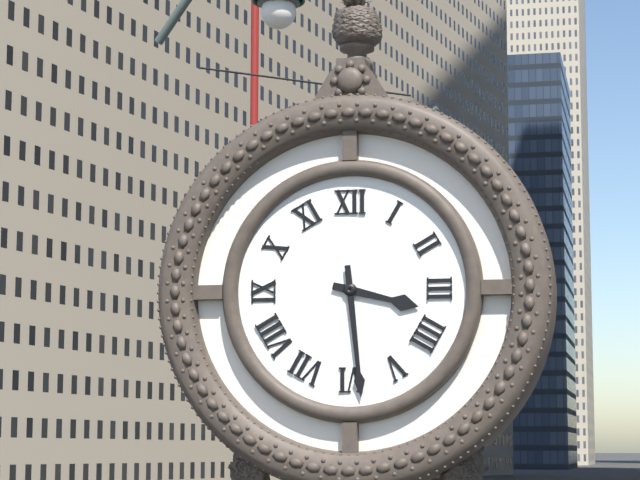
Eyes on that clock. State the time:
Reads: 3:29
